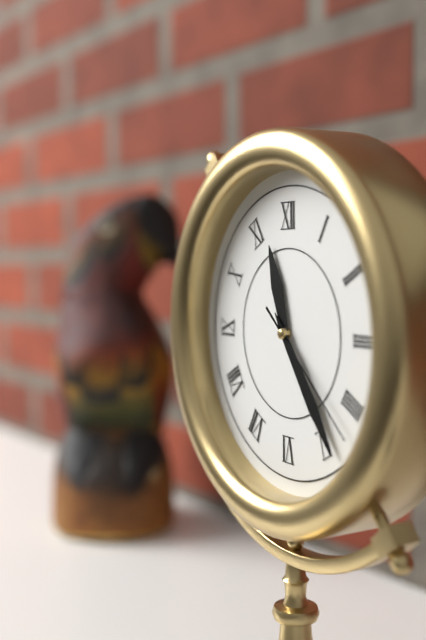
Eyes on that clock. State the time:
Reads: 11:24:22
